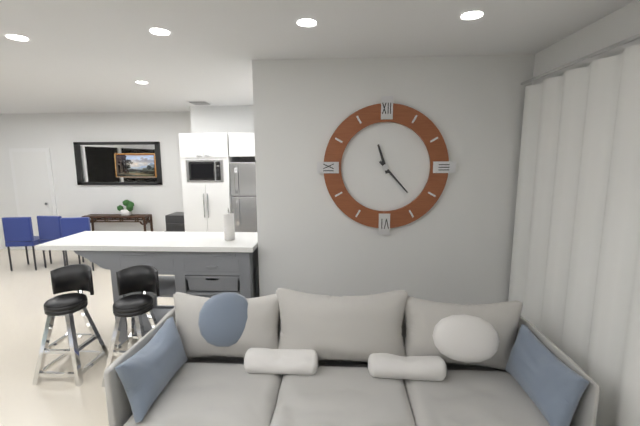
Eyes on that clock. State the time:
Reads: 11:23
